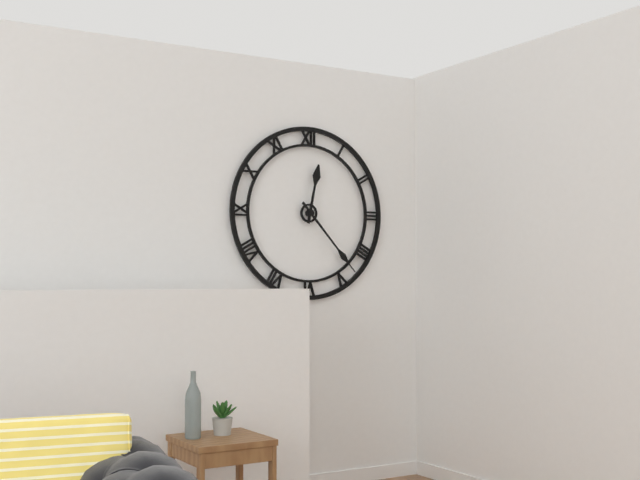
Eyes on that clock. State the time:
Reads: 12:23
